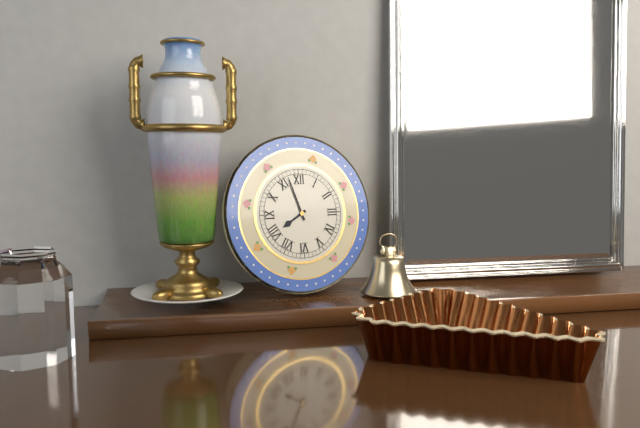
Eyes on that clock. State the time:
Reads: 7:57
